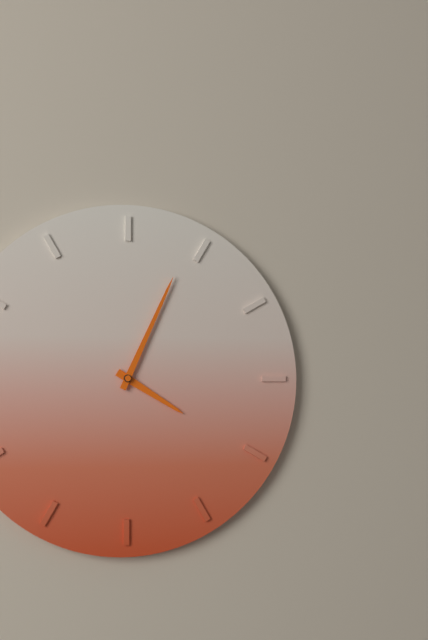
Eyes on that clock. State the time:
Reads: 4:04
